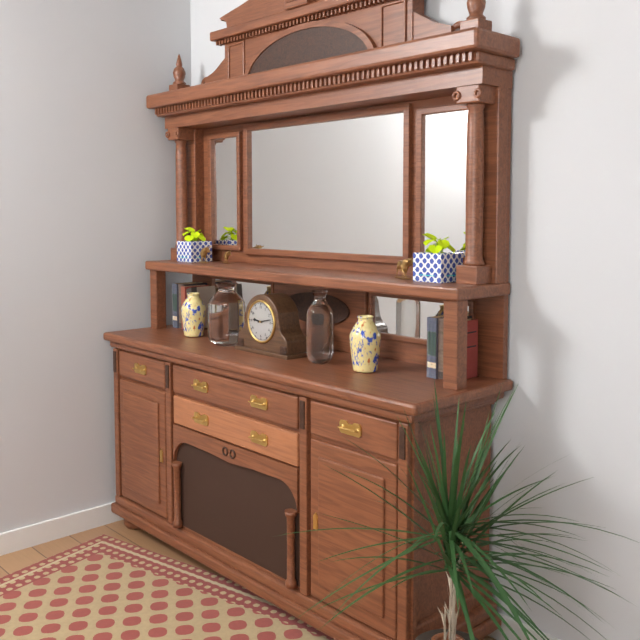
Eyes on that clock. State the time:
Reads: 9:13
